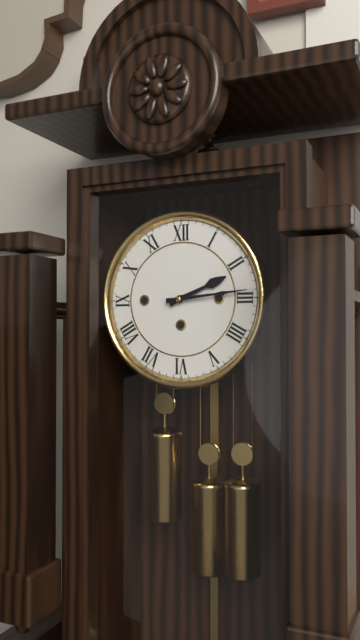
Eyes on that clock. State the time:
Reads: 2:14
